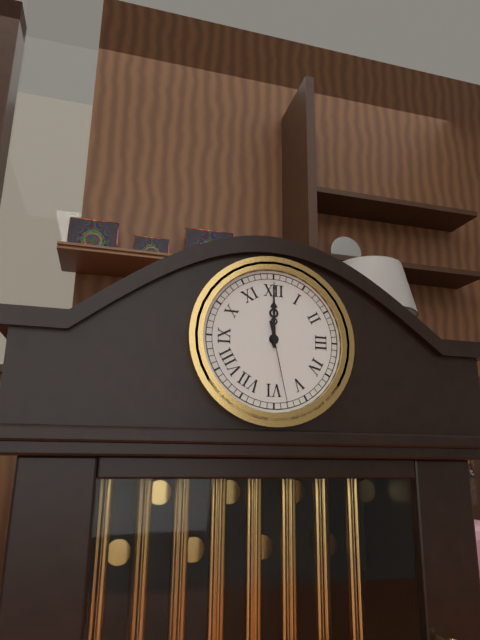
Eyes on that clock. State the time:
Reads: 12:00:28
